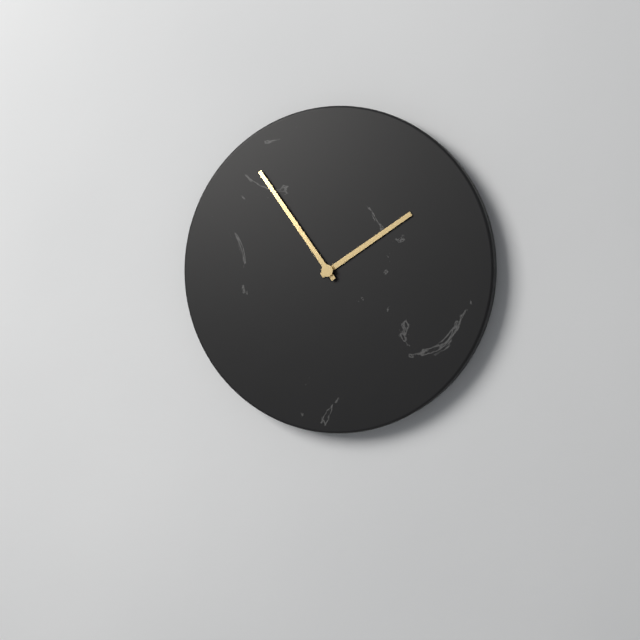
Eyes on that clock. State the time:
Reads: 1:54
